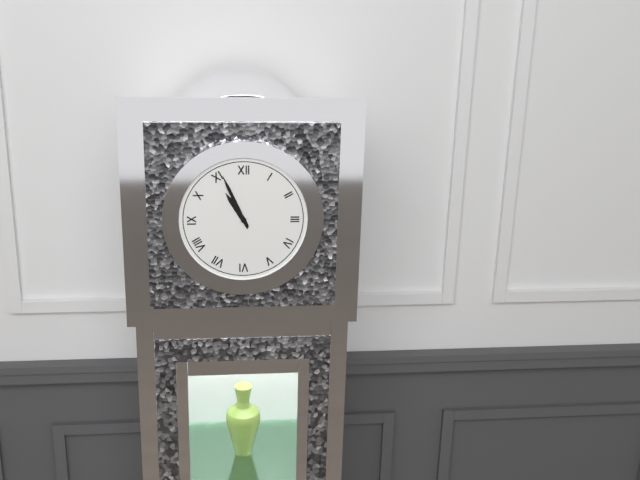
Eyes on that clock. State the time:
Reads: 10:56
